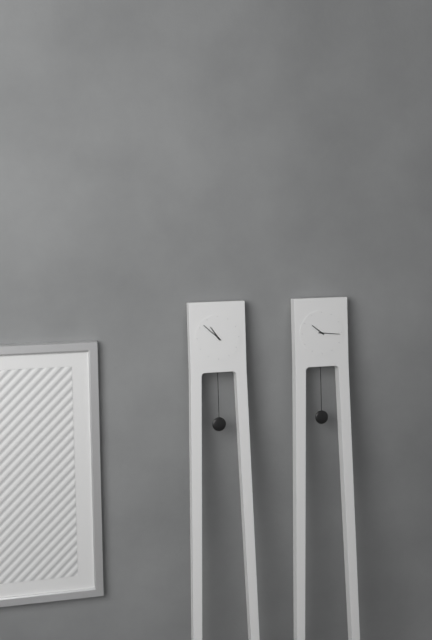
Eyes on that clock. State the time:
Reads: 10:52
